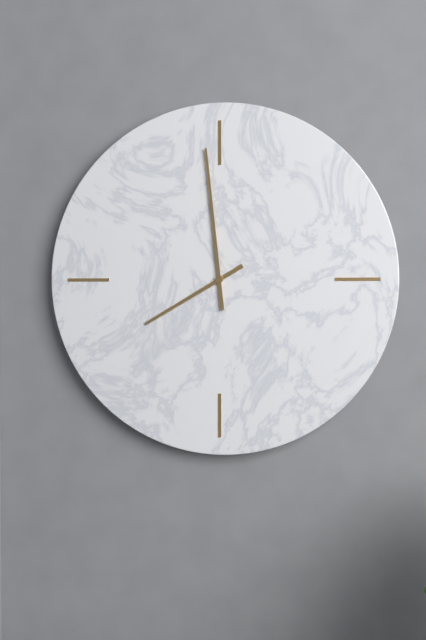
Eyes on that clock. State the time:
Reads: 7:59
